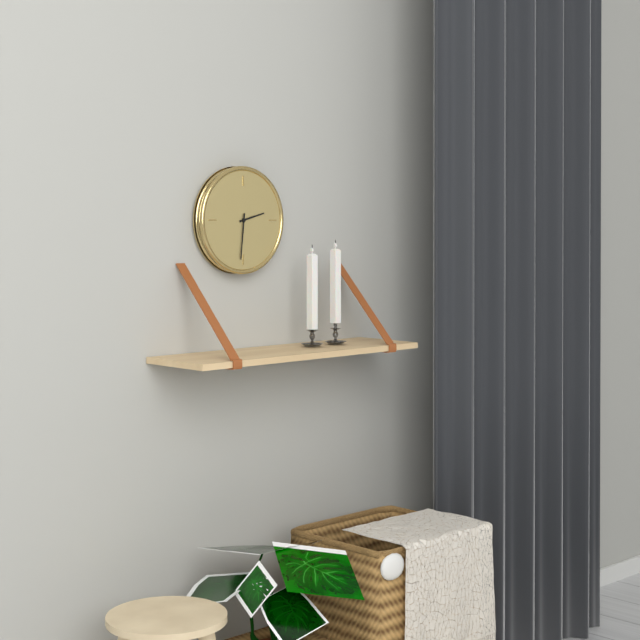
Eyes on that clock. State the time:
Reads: 2:31
